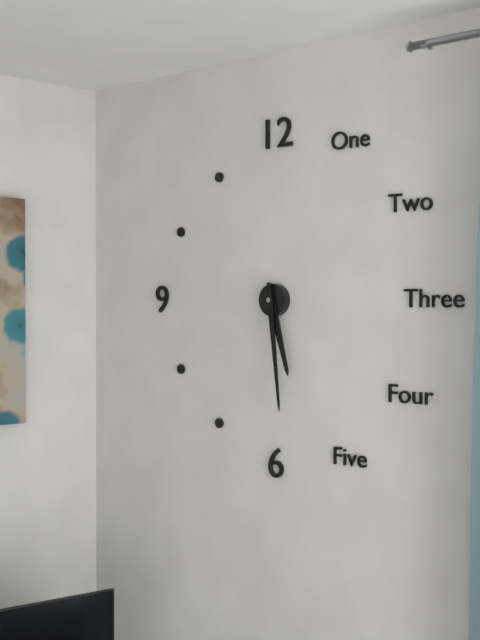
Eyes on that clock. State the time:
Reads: 5:29
